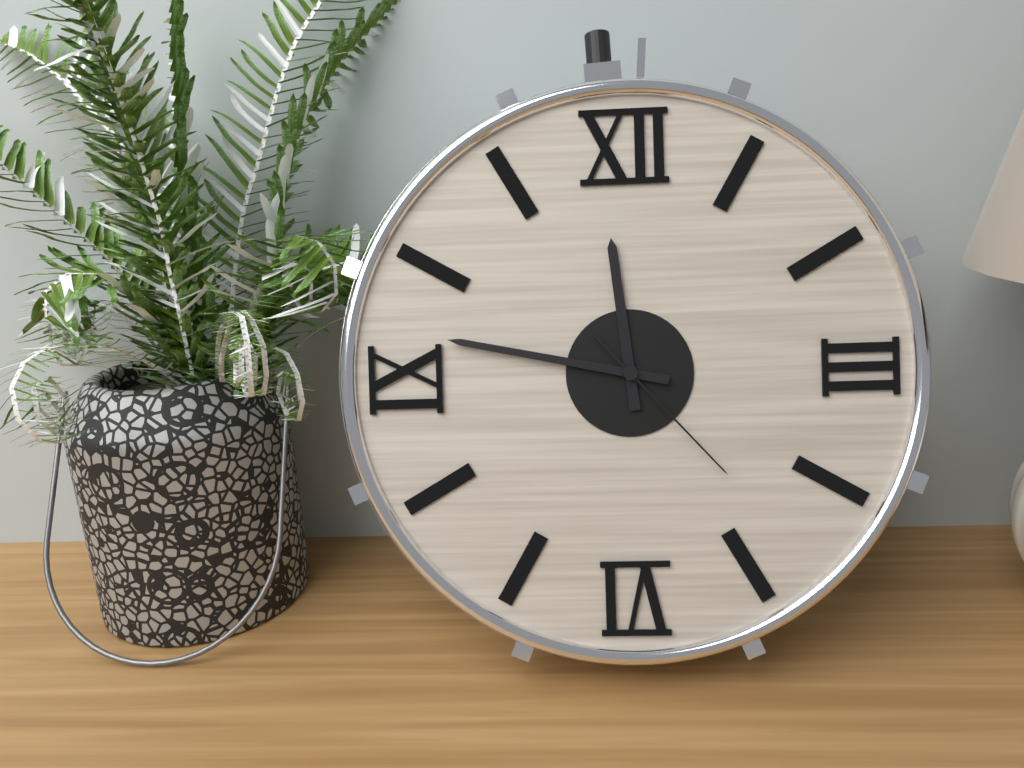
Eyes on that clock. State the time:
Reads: 11:47:23
